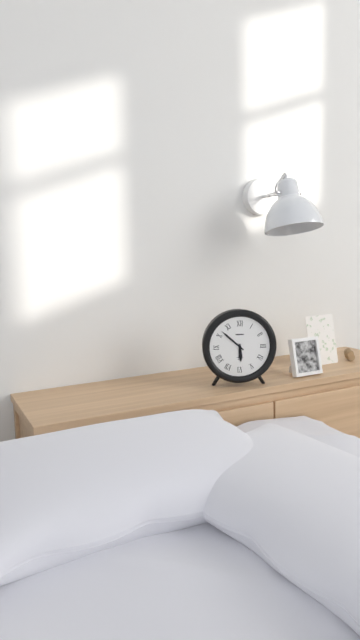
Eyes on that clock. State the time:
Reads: 5:52
